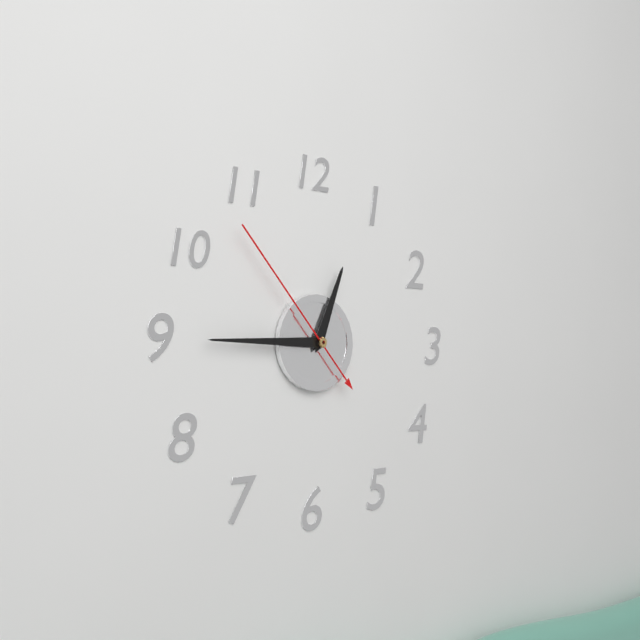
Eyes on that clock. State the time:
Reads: 12:45:53
